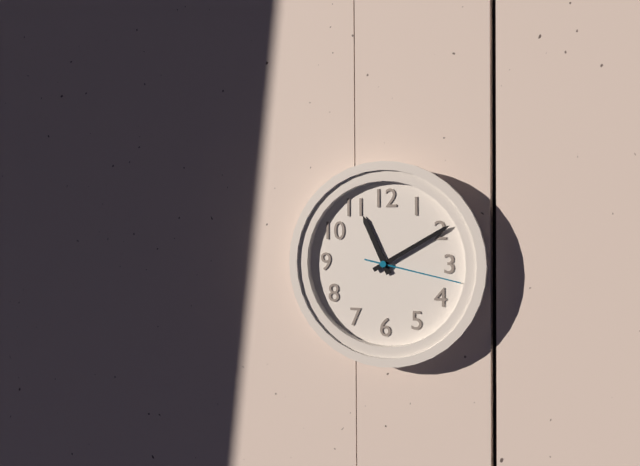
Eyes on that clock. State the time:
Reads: 11:10:17
